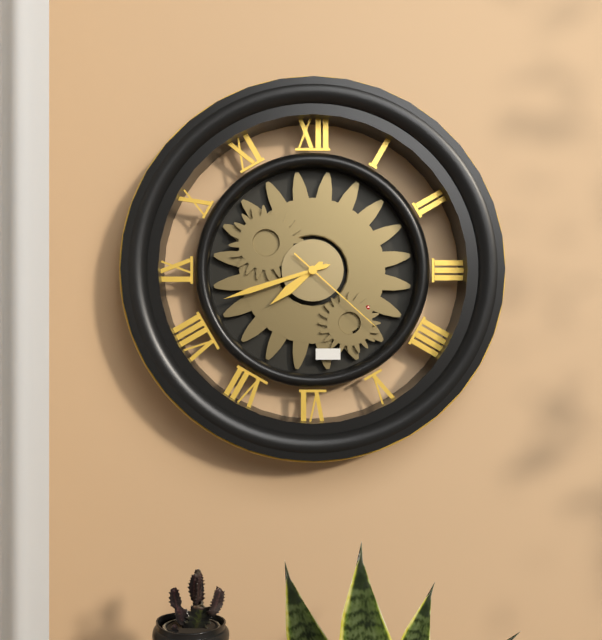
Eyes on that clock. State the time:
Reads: 7:42:22
